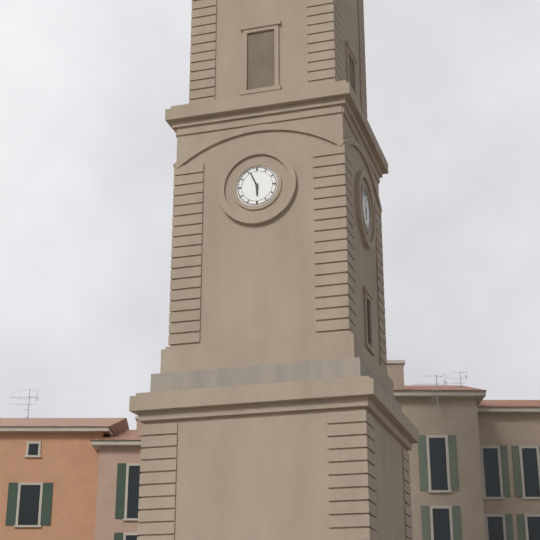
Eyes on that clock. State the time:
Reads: 5:56
